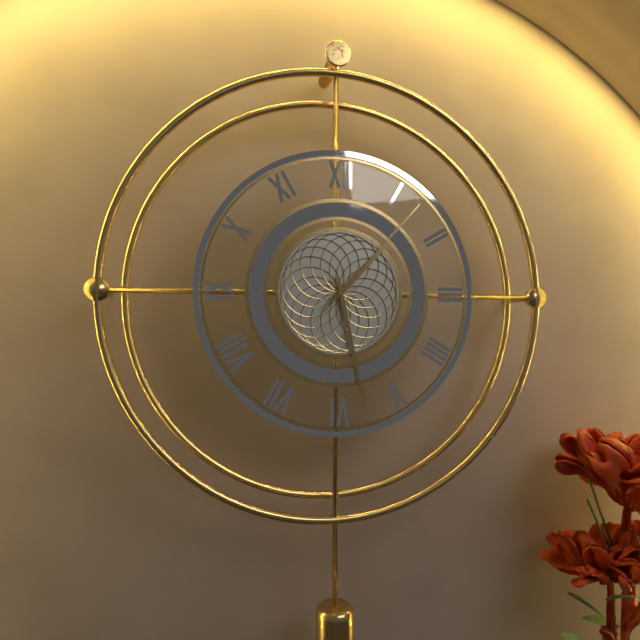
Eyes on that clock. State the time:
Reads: 1:28:07
